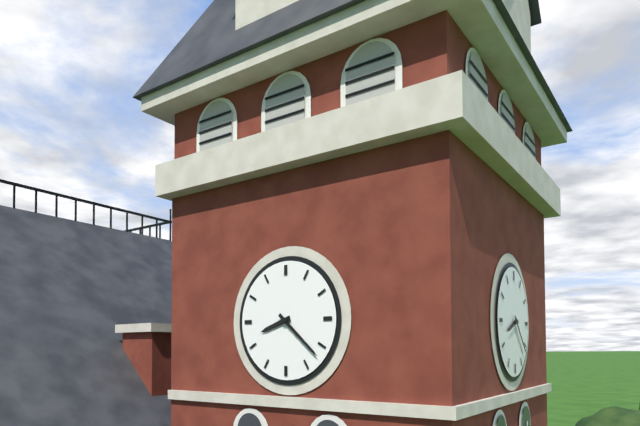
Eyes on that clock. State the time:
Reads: 8:22
